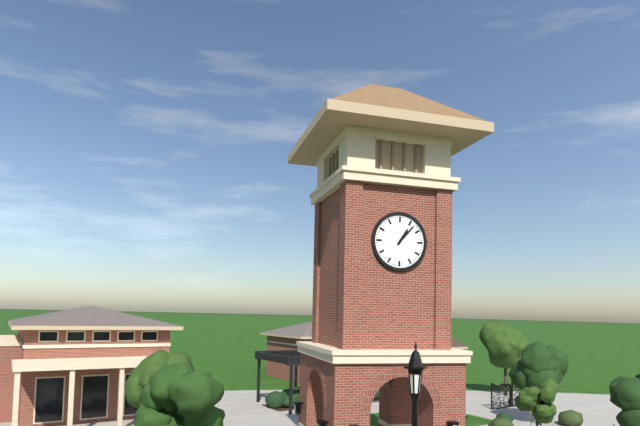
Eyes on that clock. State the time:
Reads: 1:07
